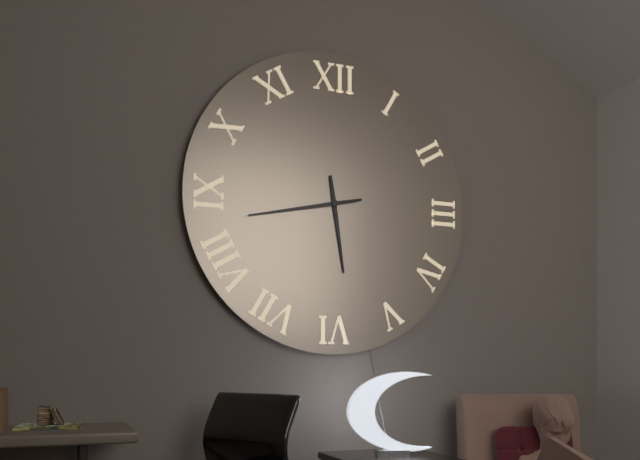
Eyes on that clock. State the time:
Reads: 5:43
